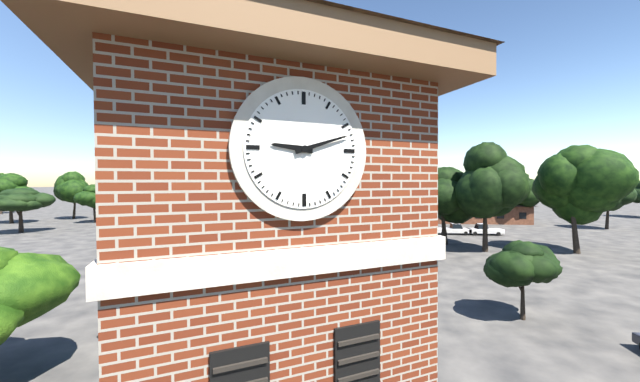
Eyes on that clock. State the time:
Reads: 9:12
